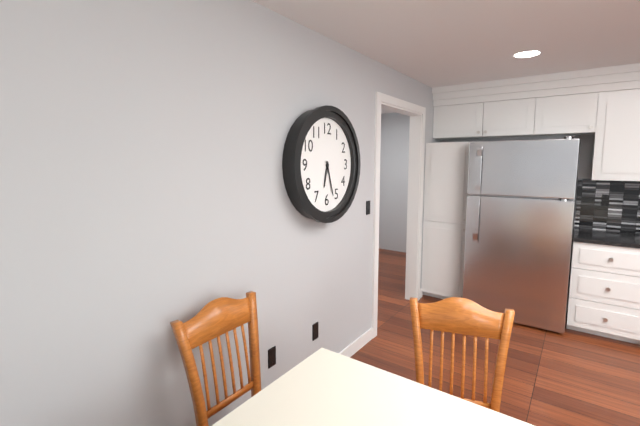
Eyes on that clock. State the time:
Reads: 6:27
